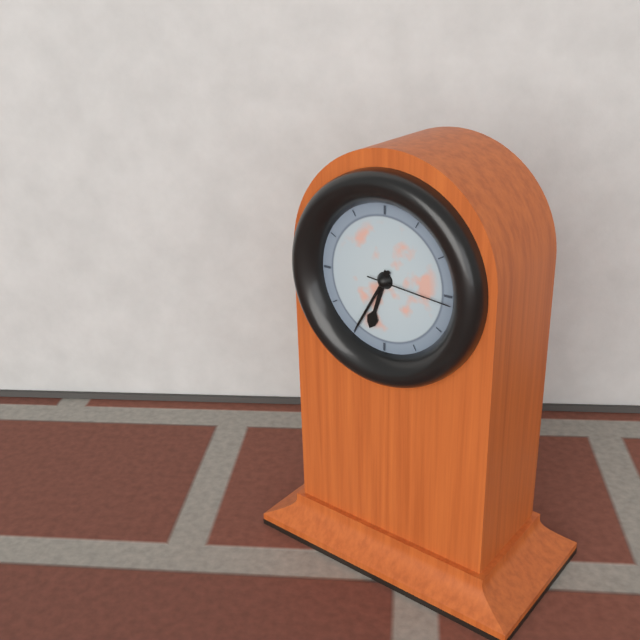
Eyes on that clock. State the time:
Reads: 6:35:16
